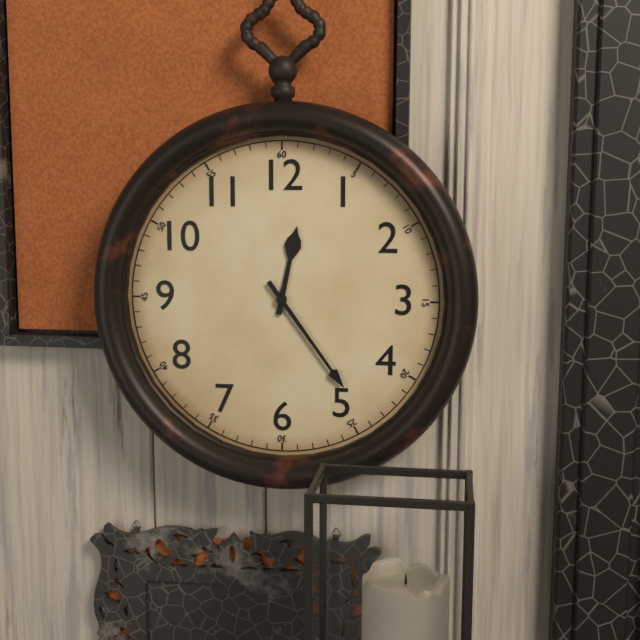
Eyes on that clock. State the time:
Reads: 12:24
